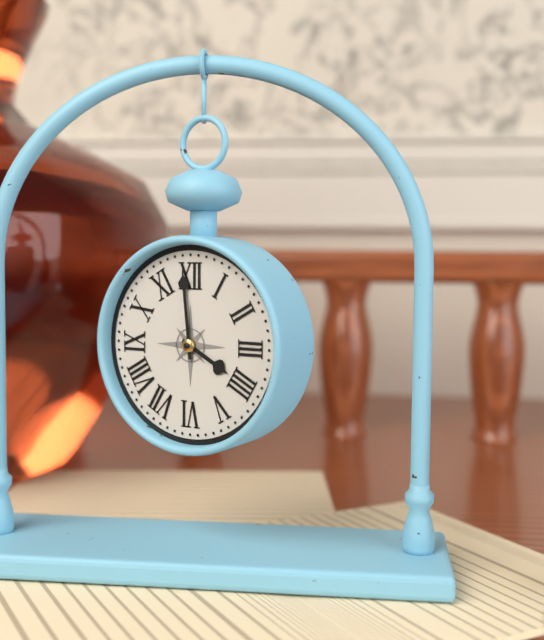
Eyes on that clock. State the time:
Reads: 3:59
